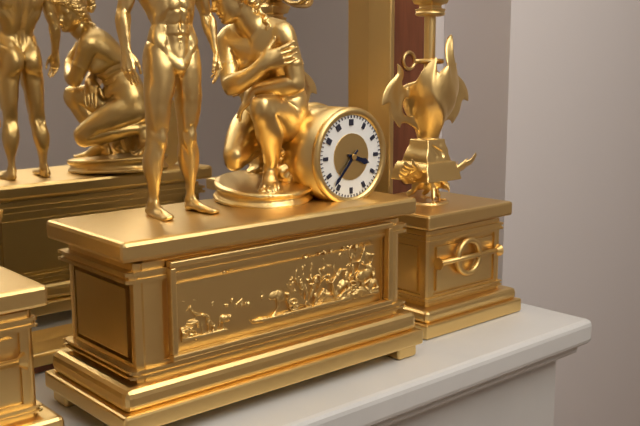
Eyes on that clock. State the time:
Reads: 3:37
